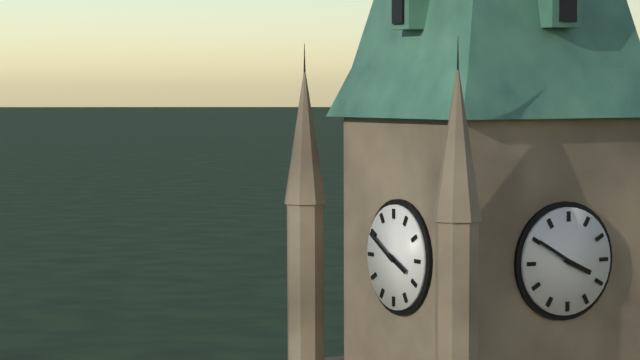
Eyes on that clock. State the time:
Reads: 3:50
